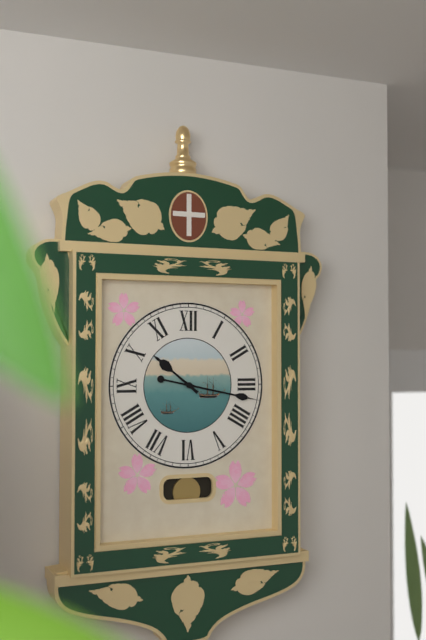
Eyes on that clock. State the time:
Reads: 10:17
